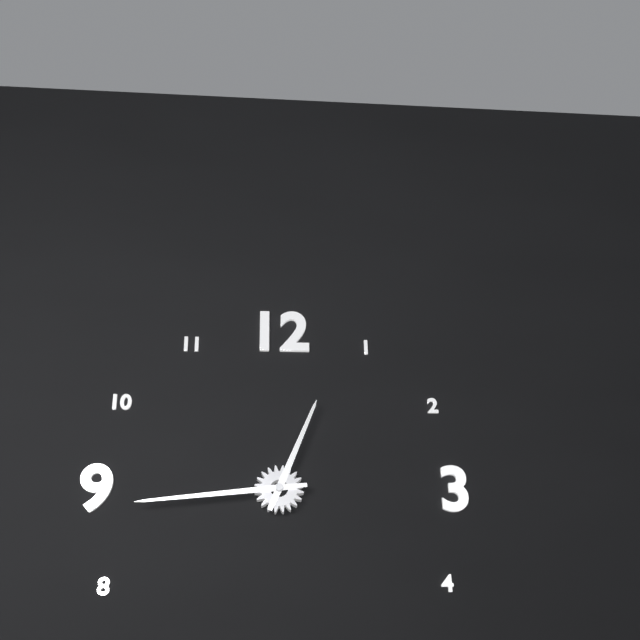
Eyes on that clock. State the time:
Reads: 12:44
